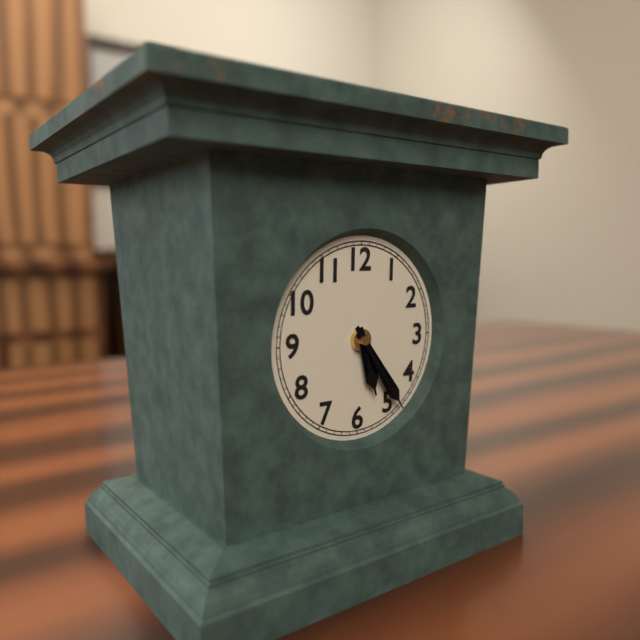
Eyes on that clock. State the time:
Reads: 5:24
